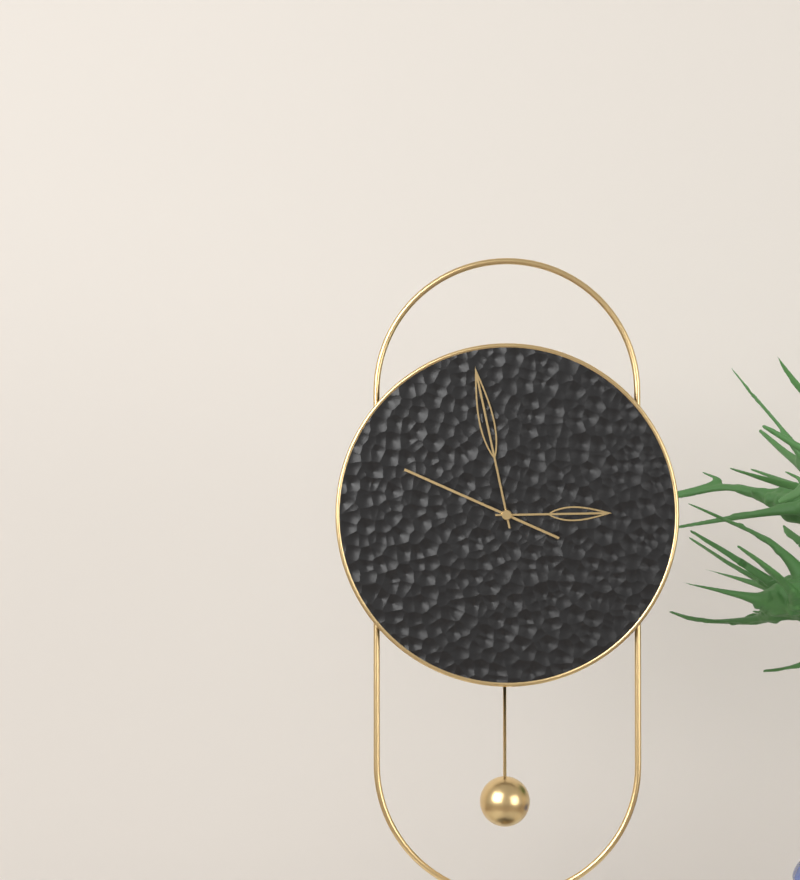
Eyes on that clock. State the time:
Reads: 2:58:49
